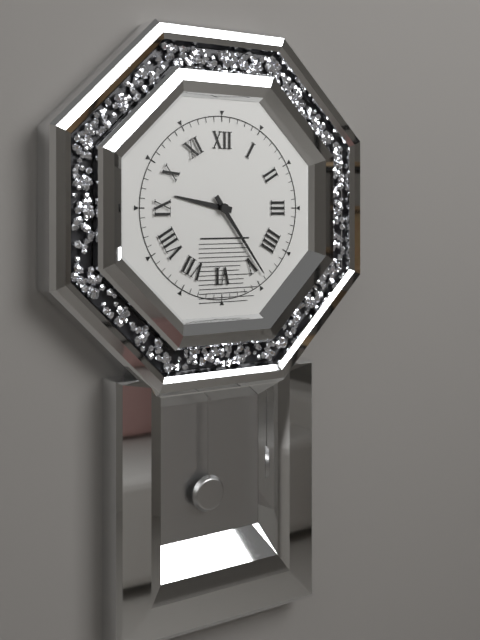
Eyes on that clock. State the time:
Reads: 9:24
